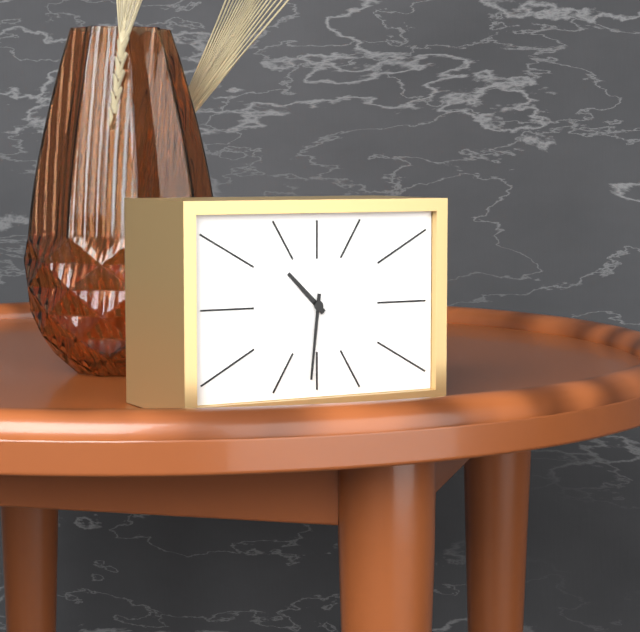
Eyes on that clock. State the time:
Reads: 10:31
